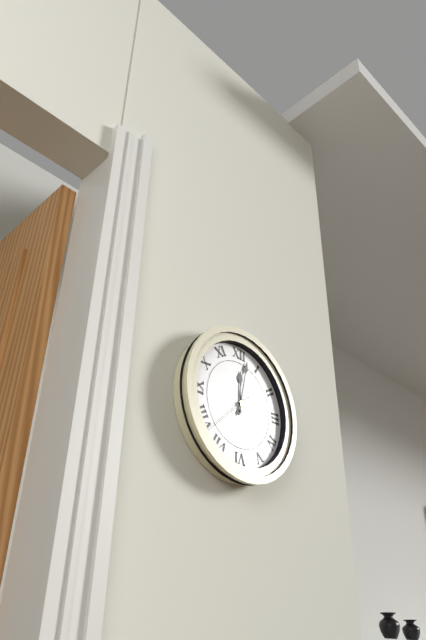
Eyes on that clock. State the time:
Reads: 12:02:38
